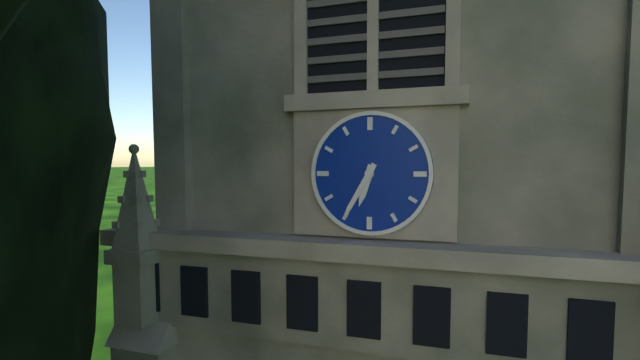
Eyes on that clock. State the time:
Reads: 6:35
